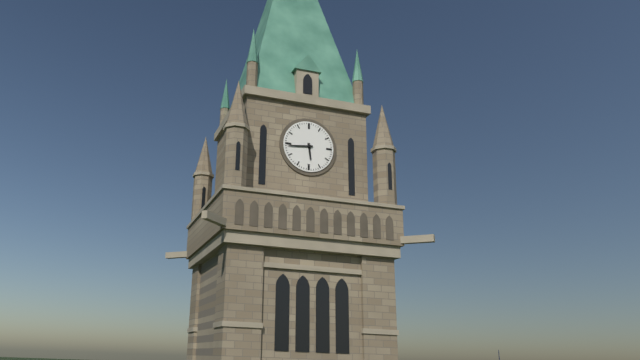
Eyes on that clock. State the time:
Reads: 5:44
